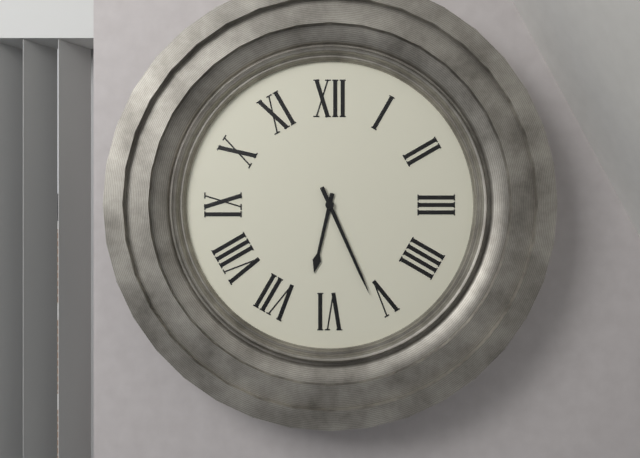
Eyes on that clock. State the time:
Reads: 6:26
